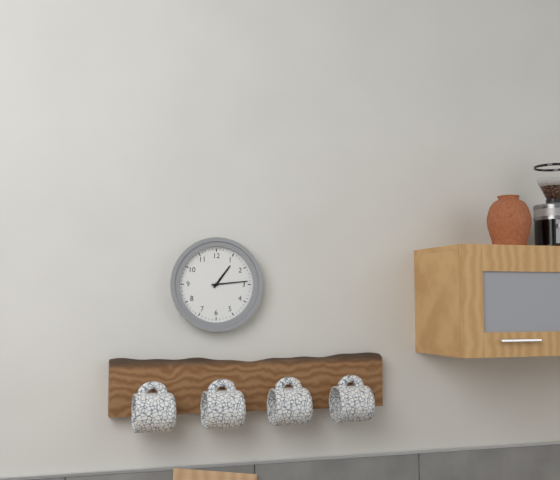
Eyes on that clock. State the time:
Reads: 1:14
